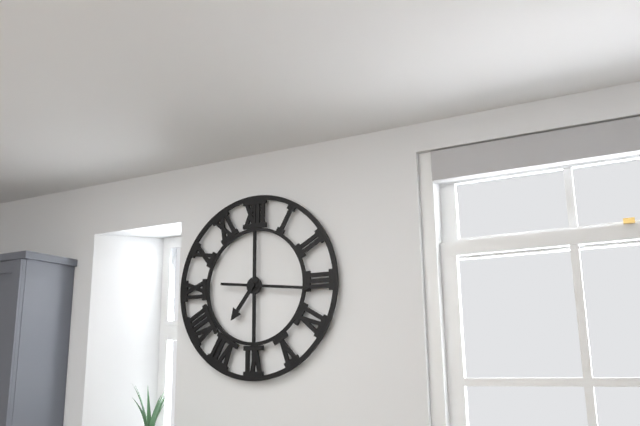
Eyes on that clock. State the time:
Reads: 7:16
